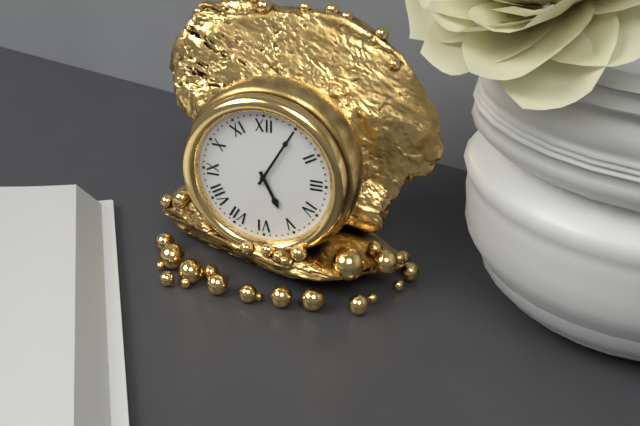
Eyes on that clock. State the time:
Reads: 5:05
